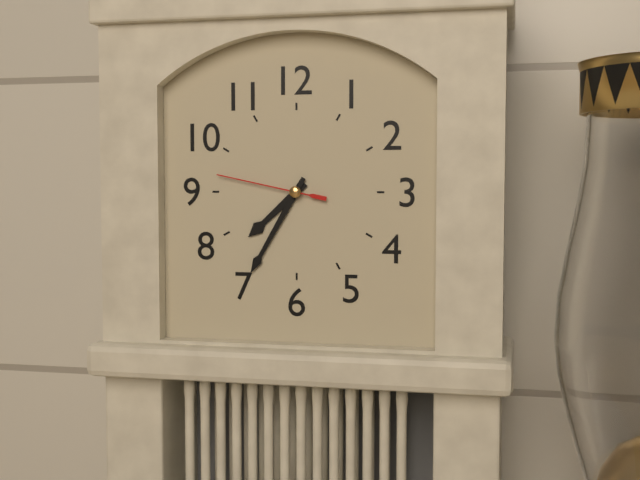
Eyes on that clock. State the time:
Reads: 7:35:47
